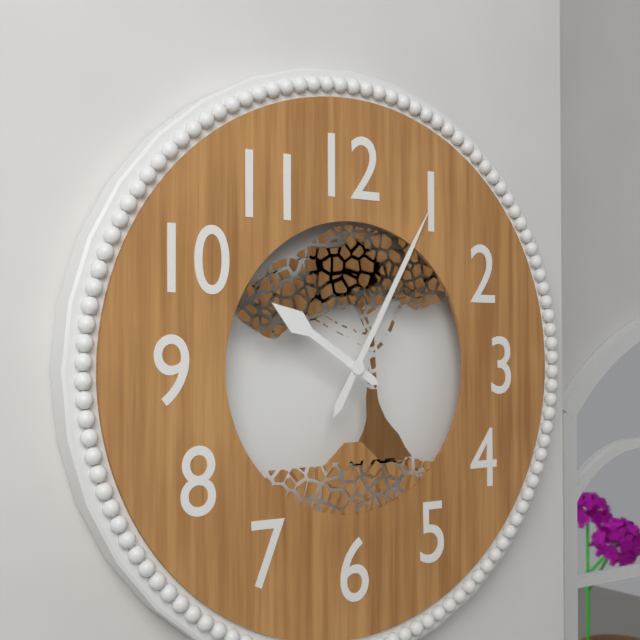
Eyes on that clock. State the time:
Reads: 10:05
